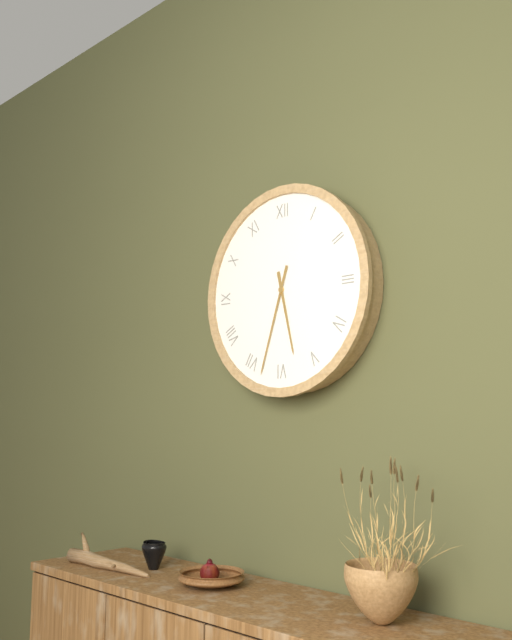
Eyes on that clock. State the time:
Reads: 5:33
